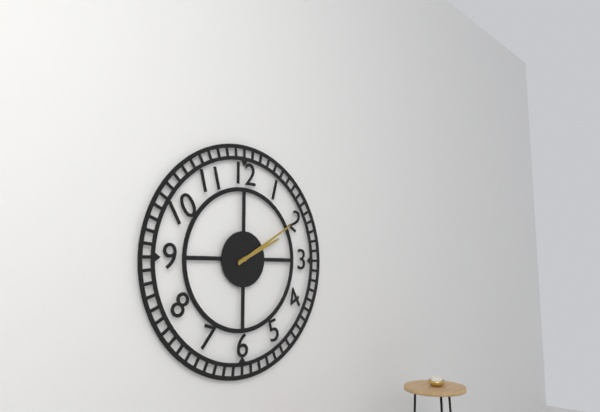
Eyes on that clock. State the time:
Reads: 2:10
